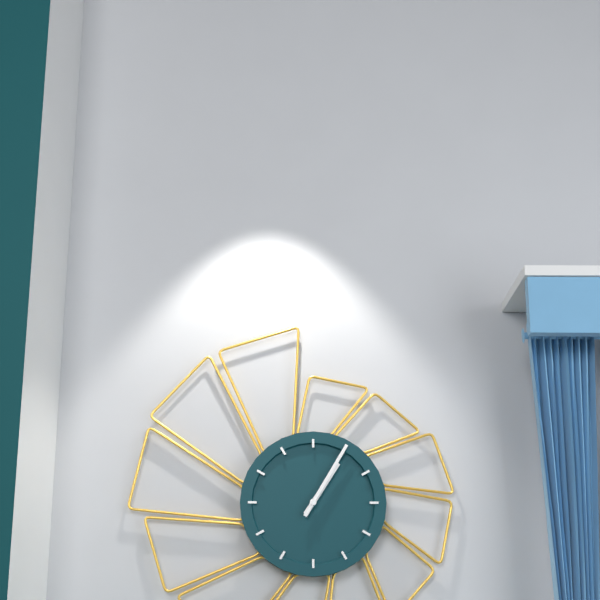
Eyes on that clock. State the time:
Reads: 1:05
